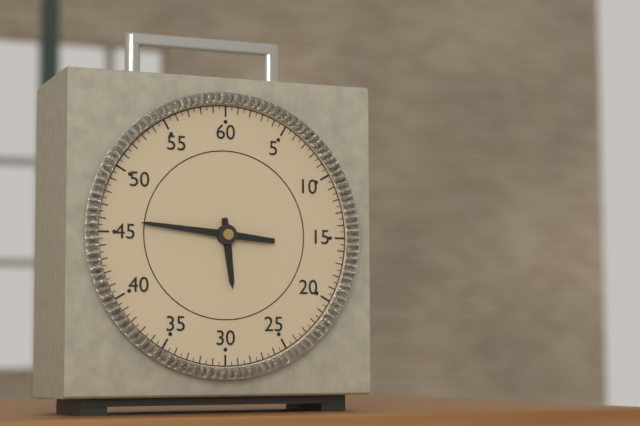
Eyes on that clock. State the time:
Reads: 5:46
